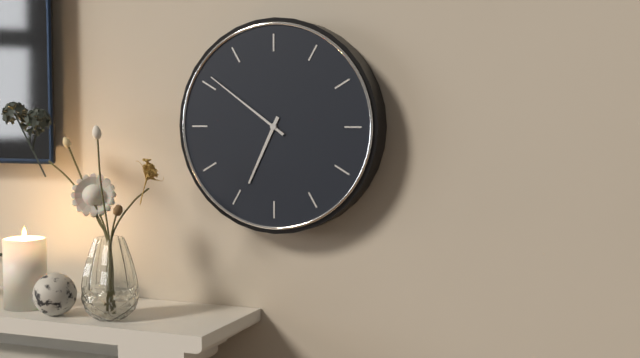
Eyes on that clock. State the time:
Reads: 6:51
